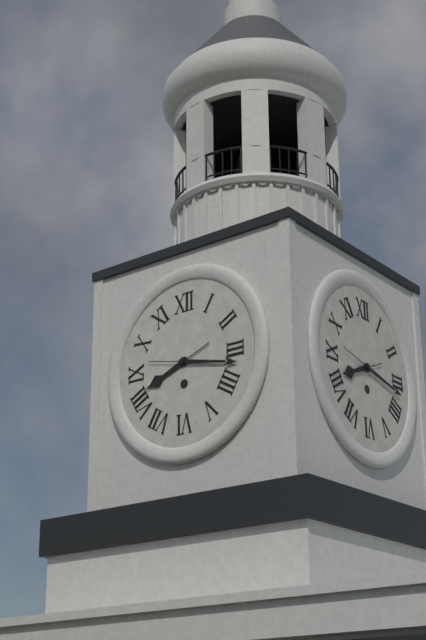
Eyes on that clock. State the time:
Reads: 8:17
